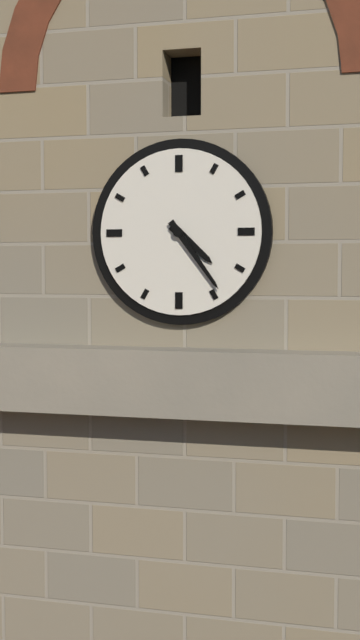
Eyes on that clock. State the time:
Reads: 4:24
